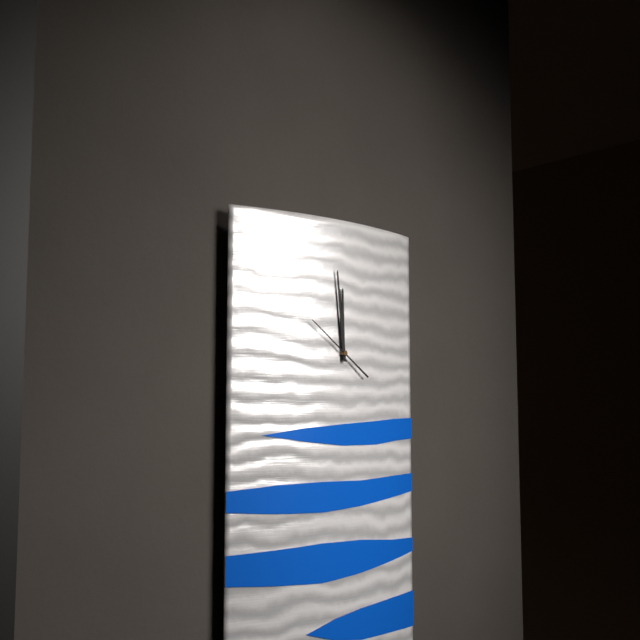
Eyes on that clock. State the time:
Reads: 11:59
